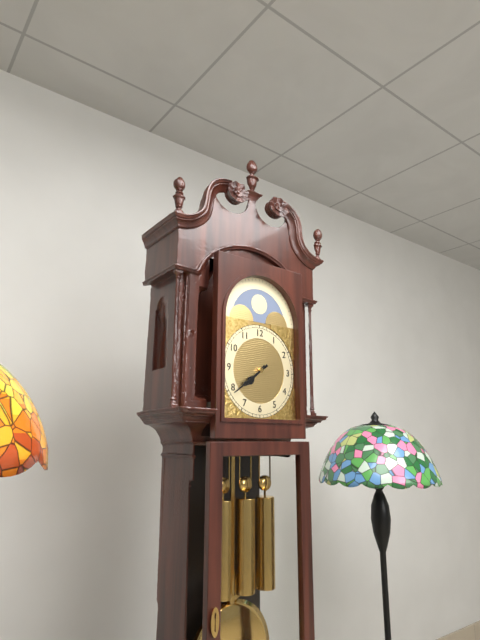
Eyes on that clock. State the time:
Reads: 7:39
